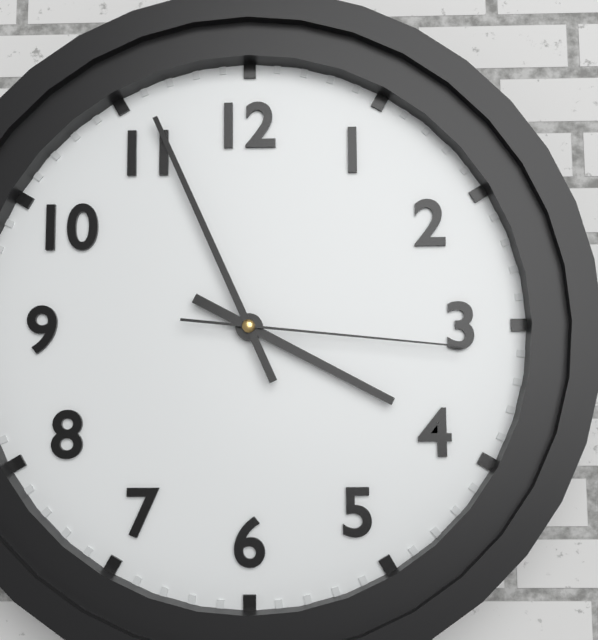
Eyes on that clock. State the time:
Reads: 3:56:16
